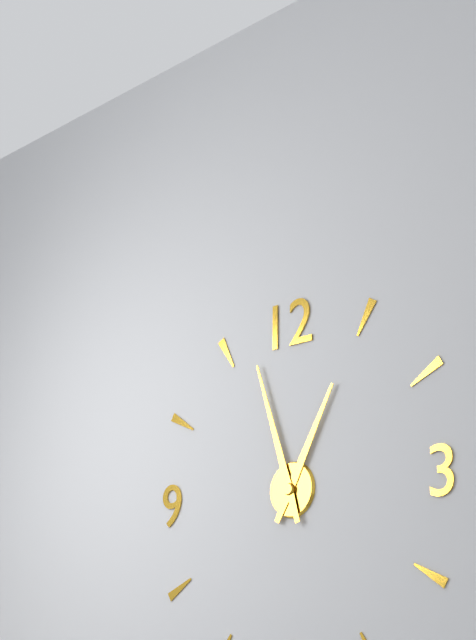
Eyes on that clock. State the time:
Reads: 12:57
